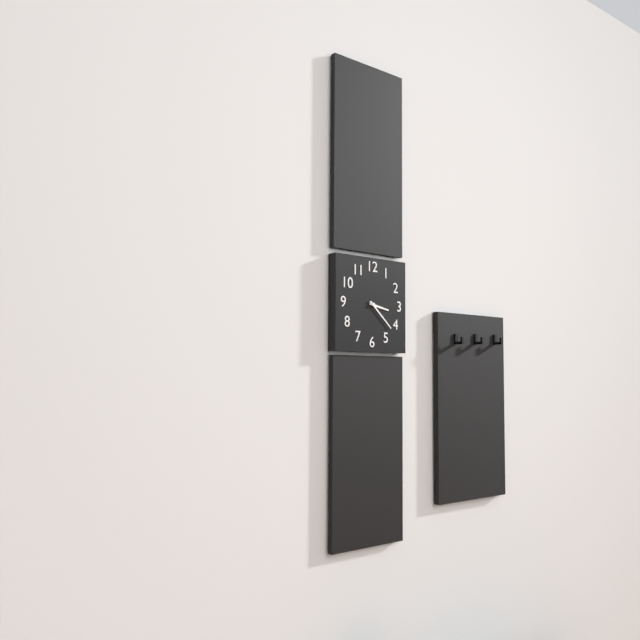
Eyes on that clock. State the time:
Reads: 3:22
